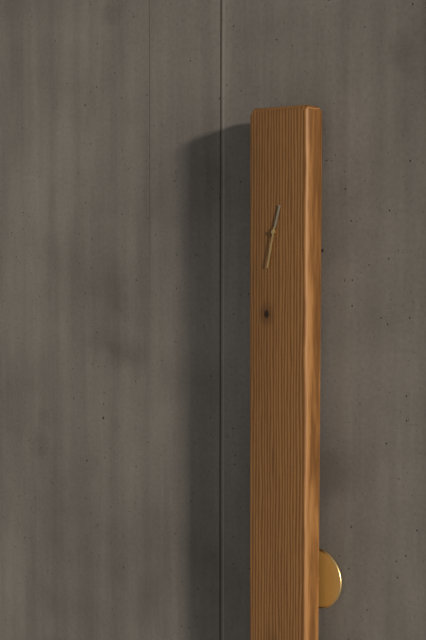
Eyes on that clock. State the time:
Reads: 12:32
